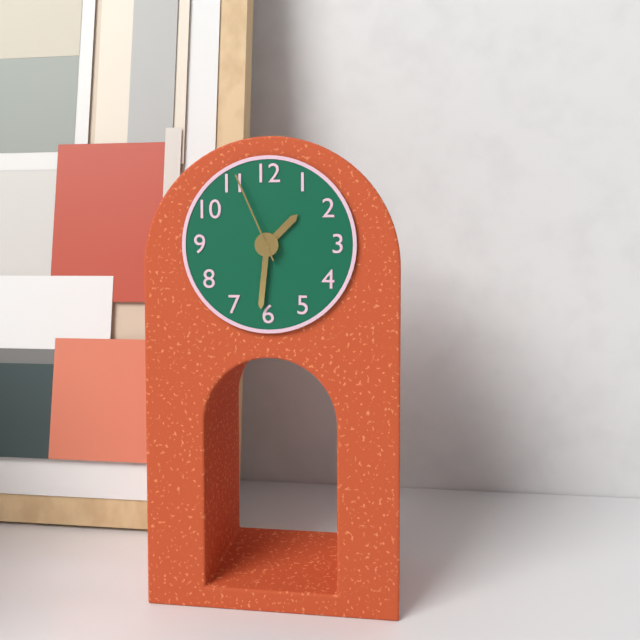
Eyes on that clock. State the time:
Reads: 1:31:56
